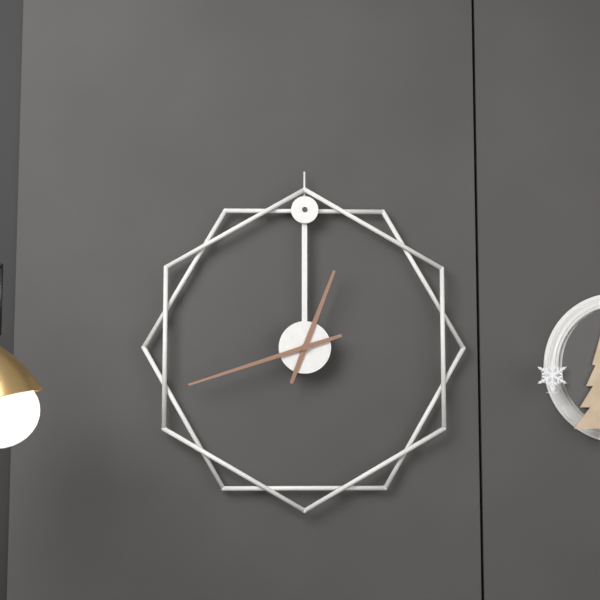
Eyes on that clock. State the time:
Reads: 12:42
